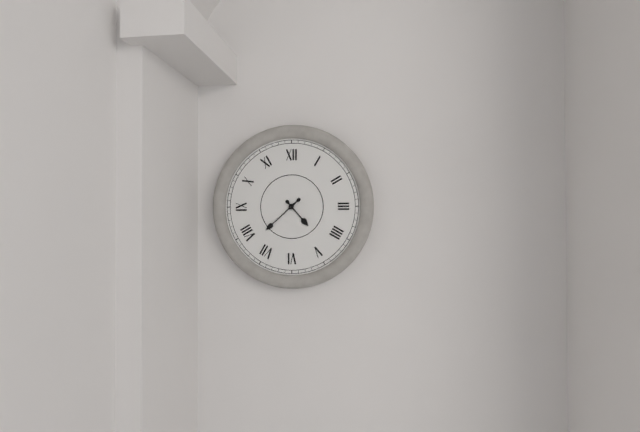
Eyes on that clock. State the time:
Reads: 4:38
